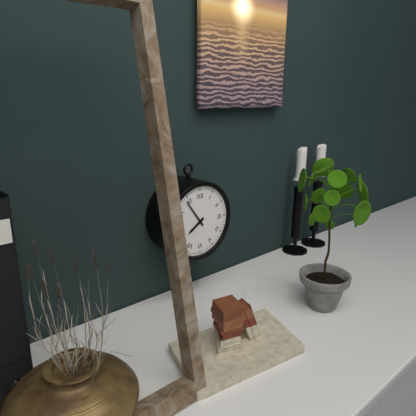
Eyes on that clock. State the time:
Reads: 7:54
